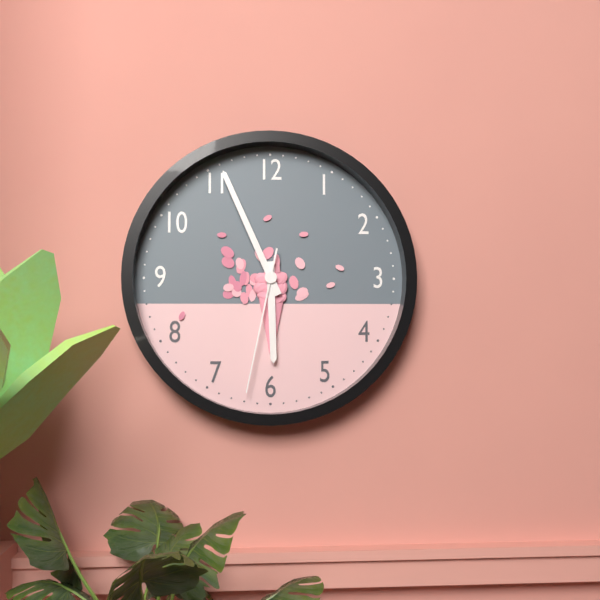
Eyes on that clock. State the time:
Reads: 5:56:32
